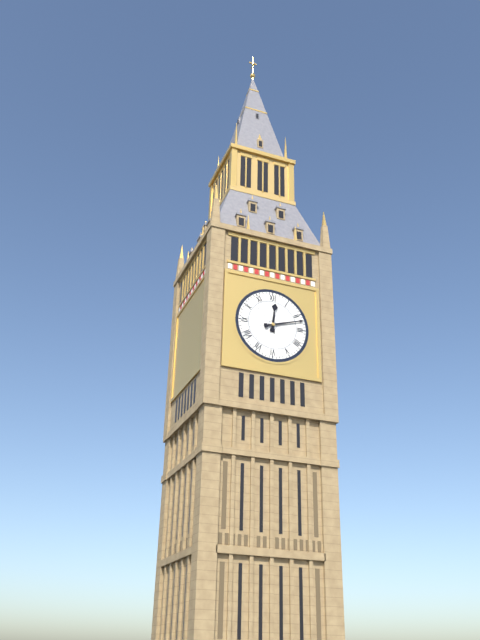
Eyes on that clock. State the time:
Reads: 12:12
